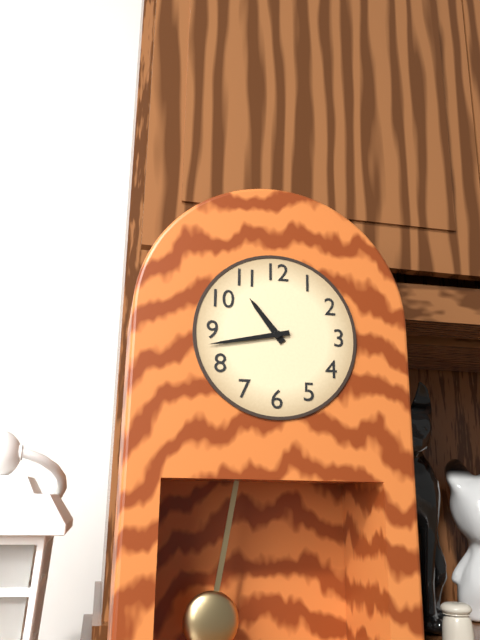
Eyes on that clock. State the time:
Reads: 10:43
